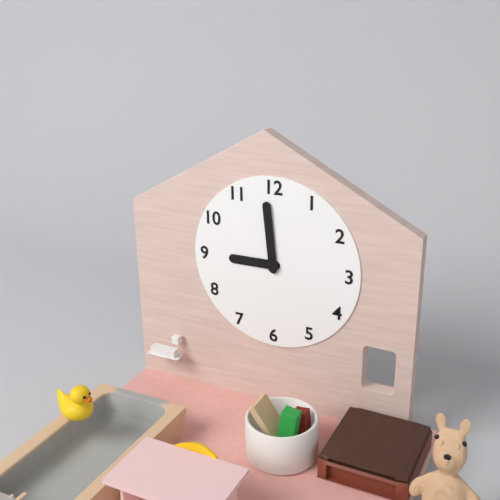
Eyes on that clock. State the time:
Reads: 8:59
